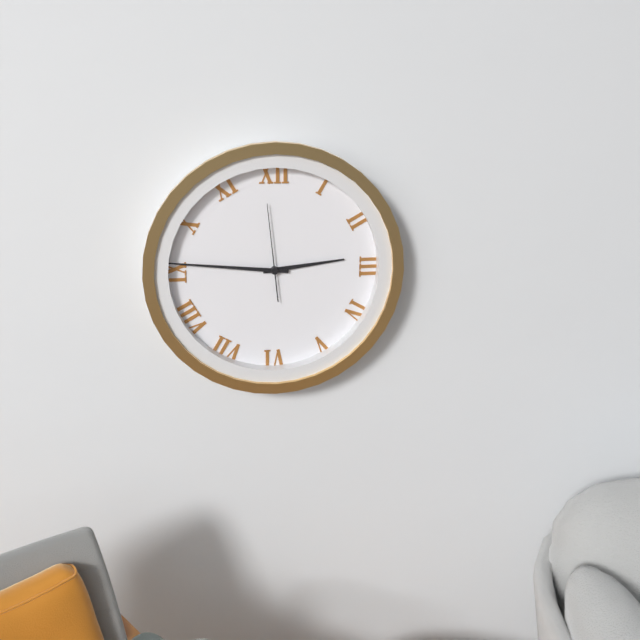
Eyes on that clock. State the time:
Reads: 2:46:59
